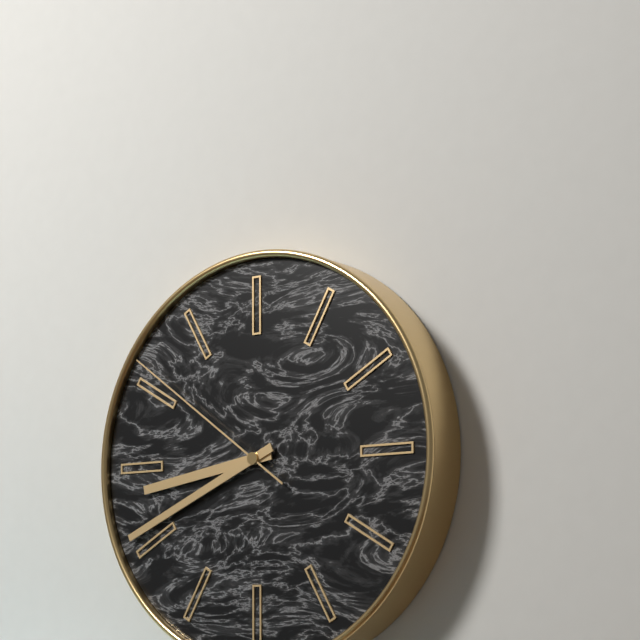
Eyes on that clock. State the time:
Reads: 8:41:51
